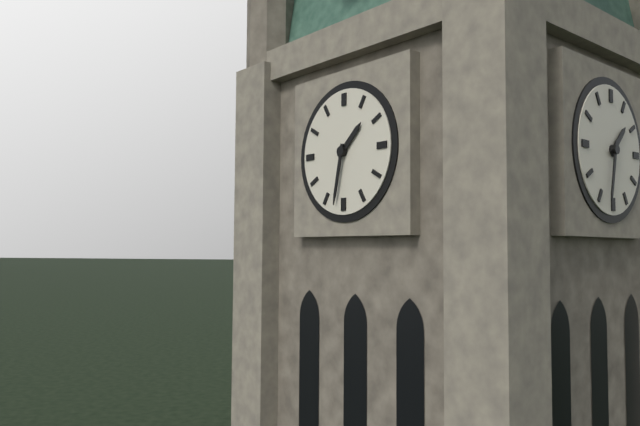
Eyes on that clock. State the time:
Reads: 1:32
